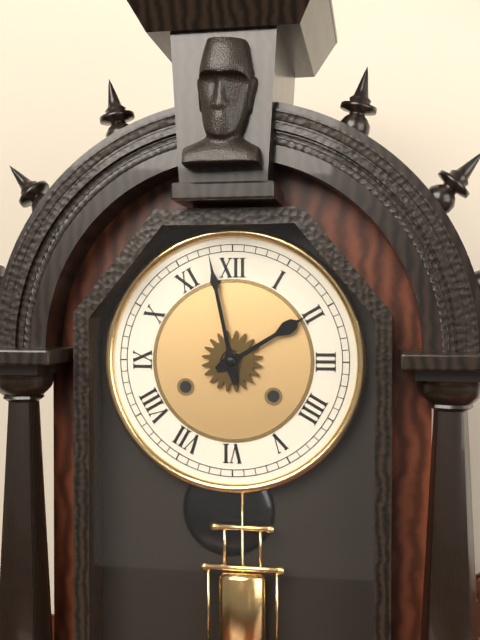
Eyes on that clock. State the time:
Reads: 1:58
